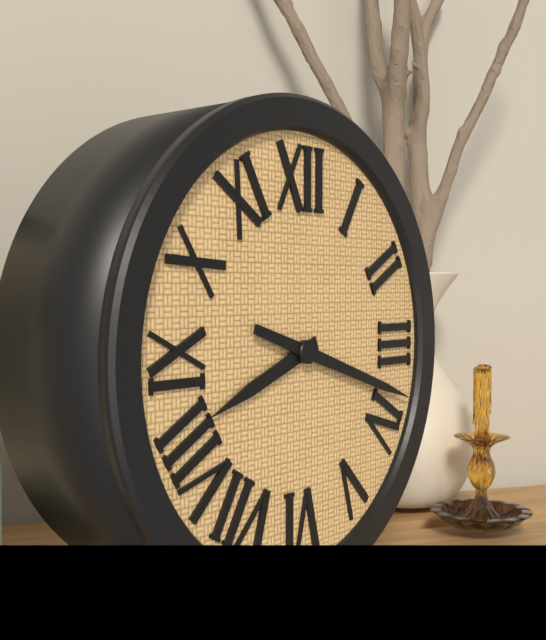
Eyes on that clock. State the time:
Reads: 8:18
